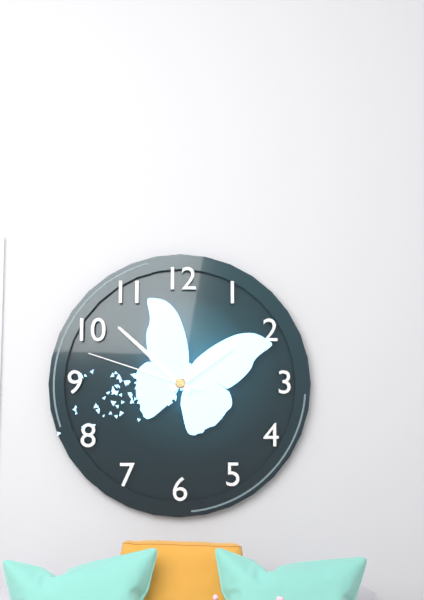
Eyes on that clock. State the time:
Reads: 1:52:48
